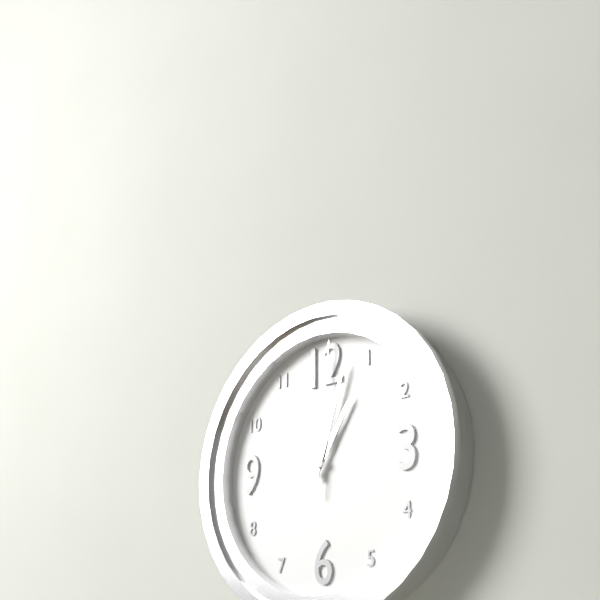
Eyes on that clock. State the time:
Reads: 1:03:01
